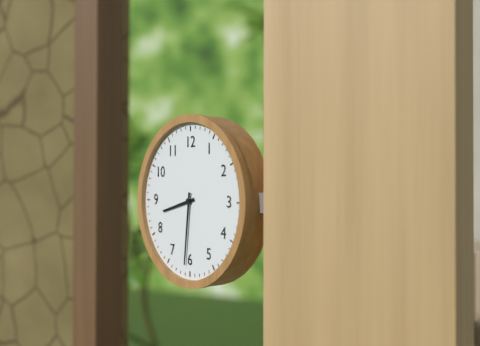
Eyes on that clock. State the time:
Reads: 8:31
